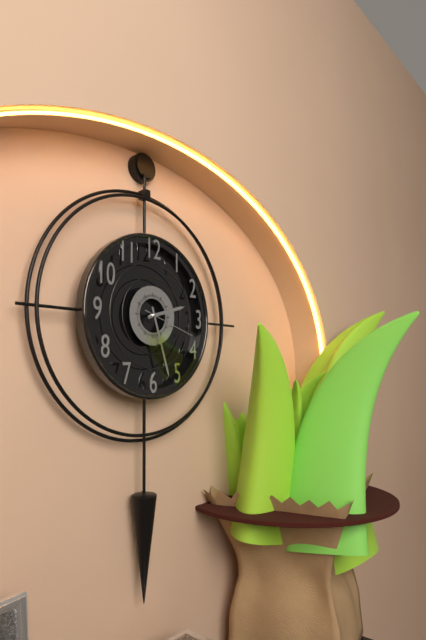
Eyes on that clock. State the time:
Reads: 2:27:18
